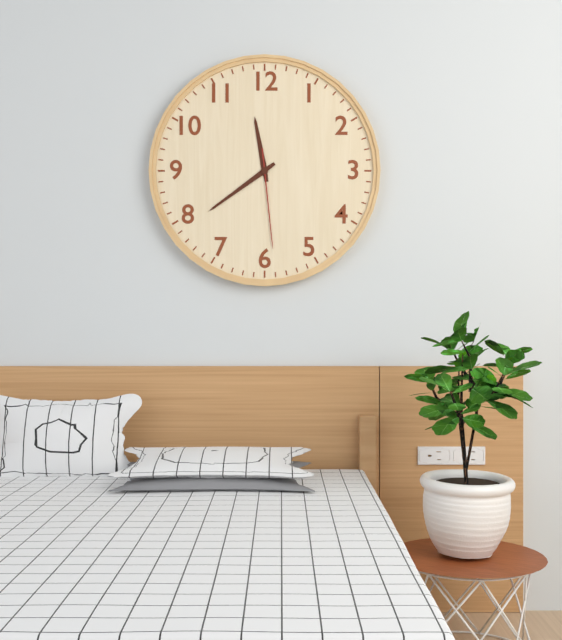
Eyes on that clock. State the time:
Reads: 11:39:29
